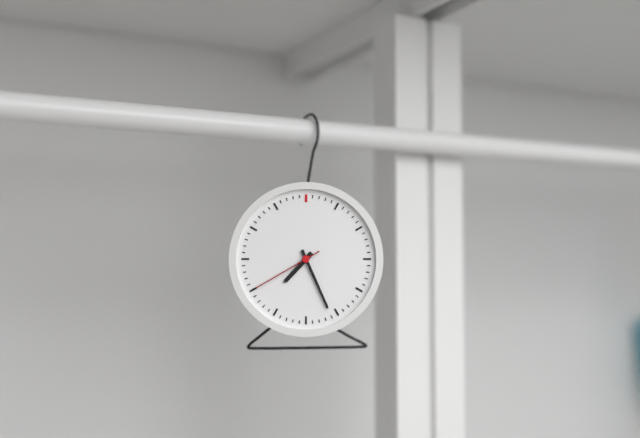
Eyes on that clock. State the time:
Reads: 7:26:40
